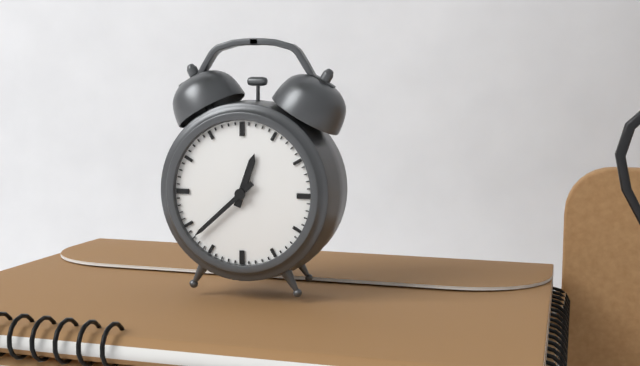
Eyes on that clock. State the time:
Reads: 12:38
